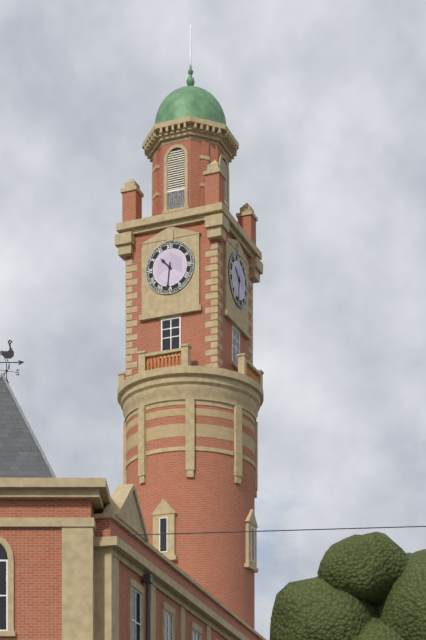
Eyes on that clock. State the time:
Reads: 10:31
